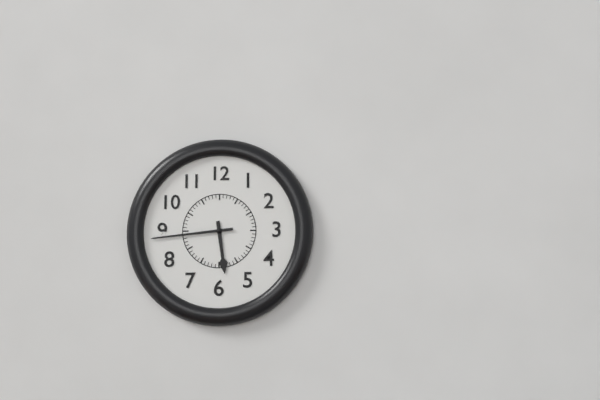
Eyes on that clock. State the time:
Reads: 5:44
